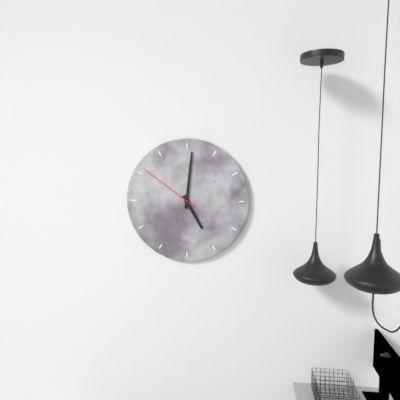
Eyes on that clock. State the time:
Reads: 5:01:51
